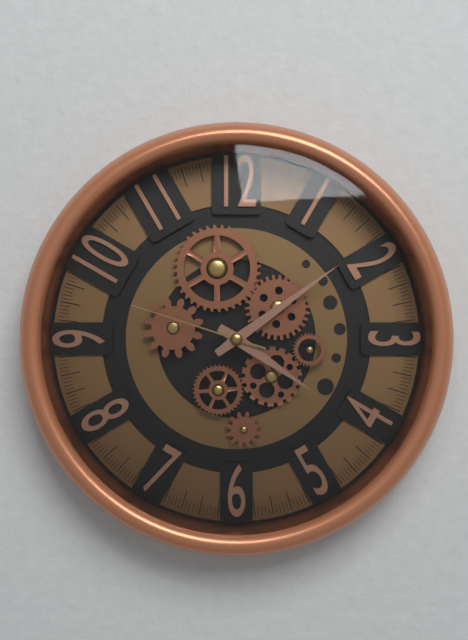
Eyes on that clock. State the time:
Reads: 4:09:48
